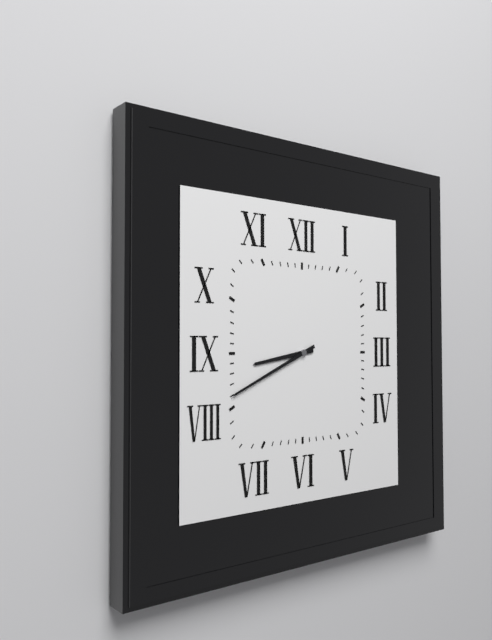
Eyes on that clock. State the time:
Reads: 8:41
